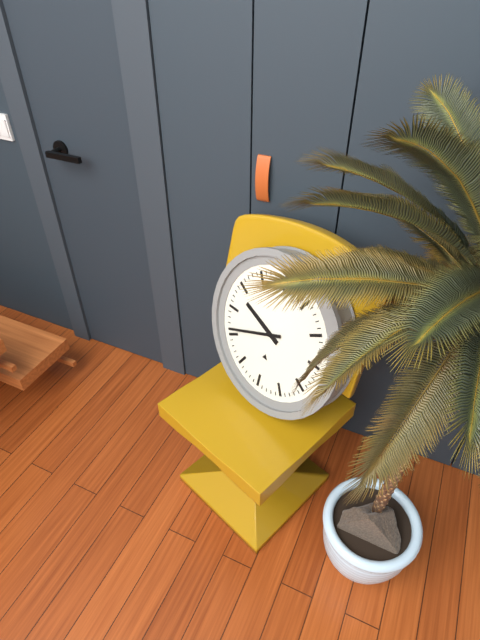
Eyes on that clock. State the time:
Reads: 9:41
